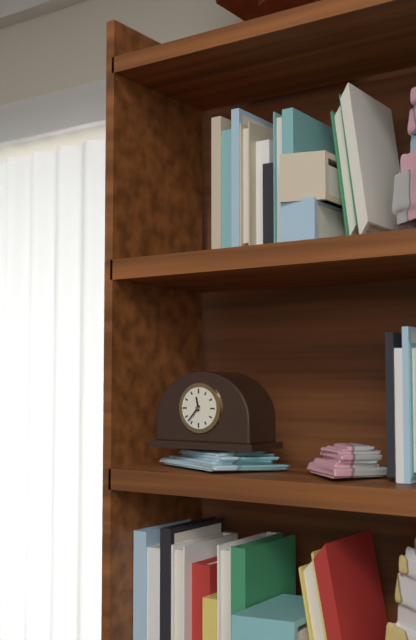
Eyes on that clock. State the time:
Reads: 11:37
